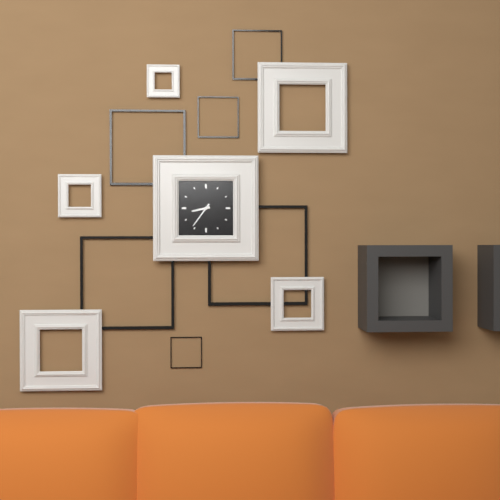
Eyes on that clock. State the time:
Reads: 8:36
